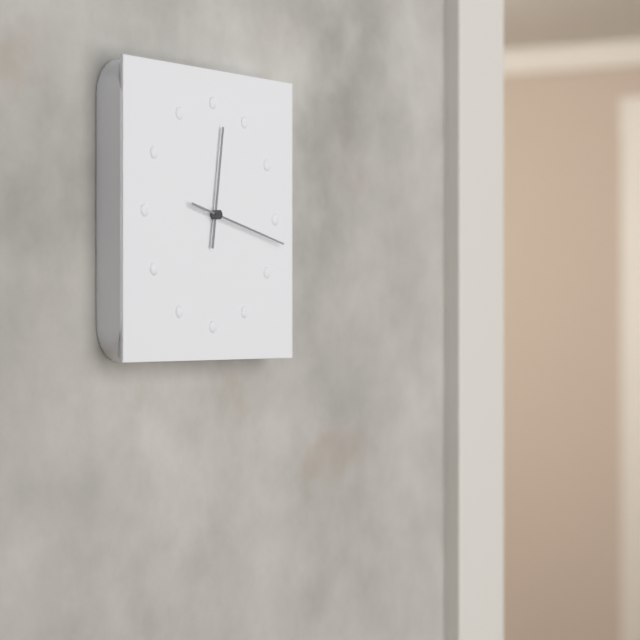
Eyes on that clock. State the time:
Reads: 12:17
